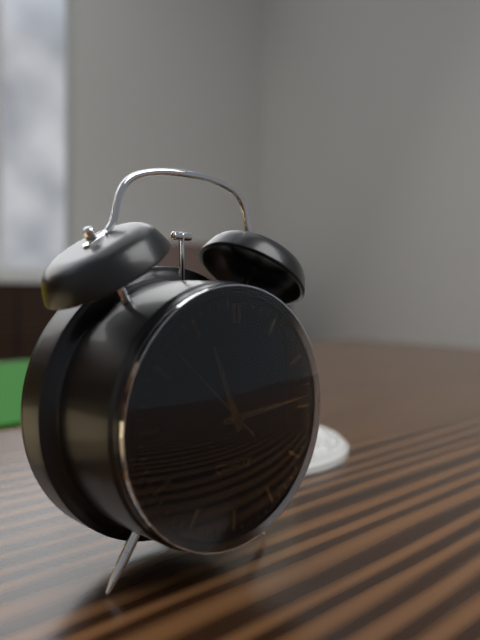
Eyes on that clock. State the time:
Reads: 11:14:52
